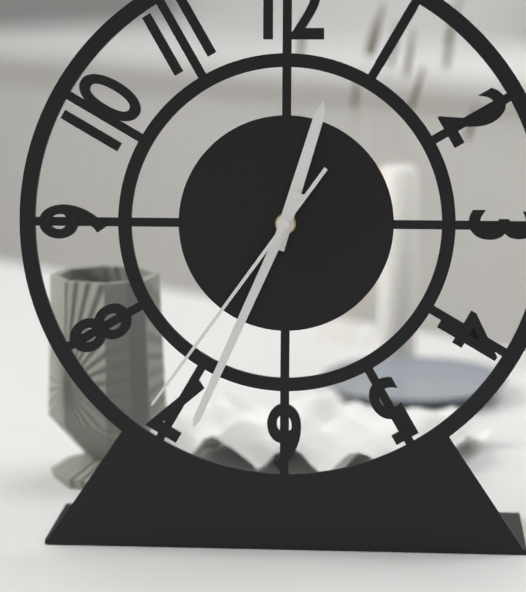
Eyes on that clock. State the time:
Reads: 12:34:36
